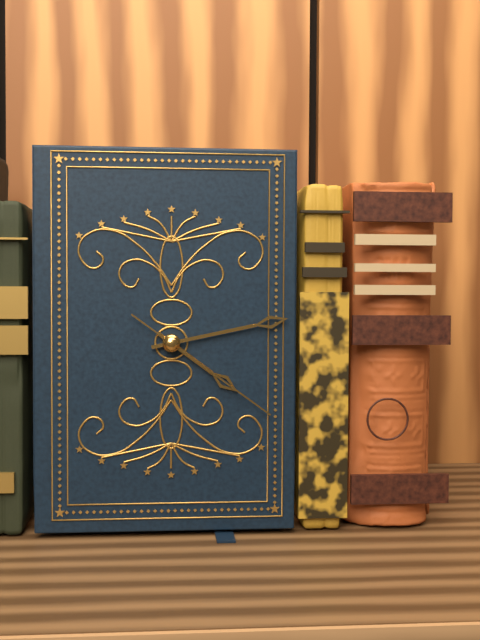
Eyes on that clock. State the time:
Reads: 4:13:21
